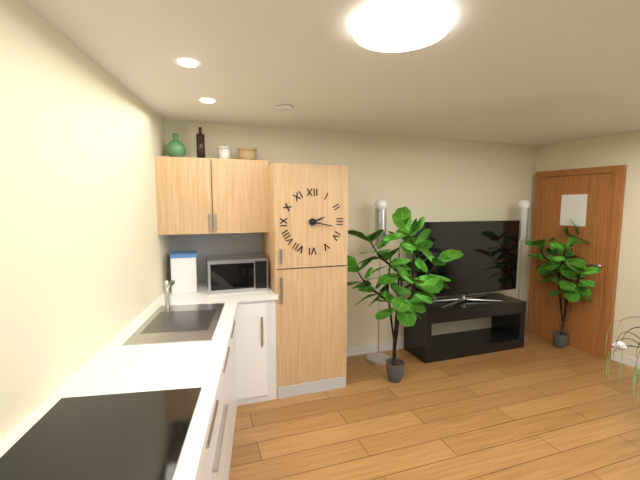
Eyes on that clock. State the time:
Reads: 2:17
